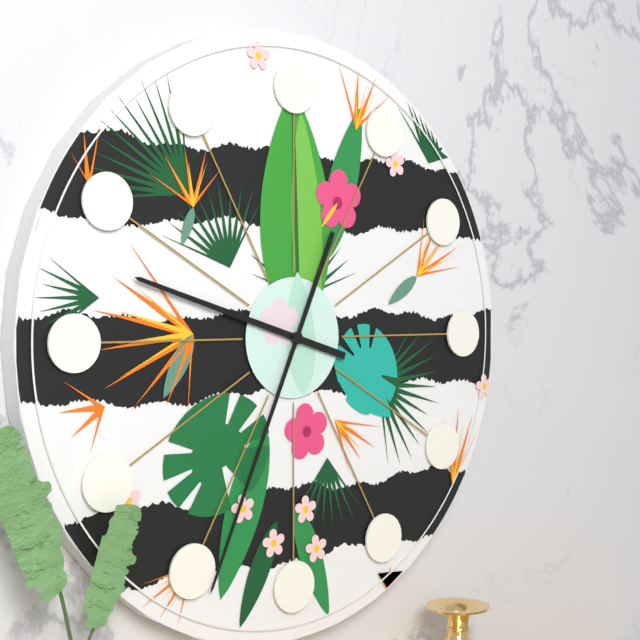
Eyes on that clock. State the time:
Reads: 9:34
